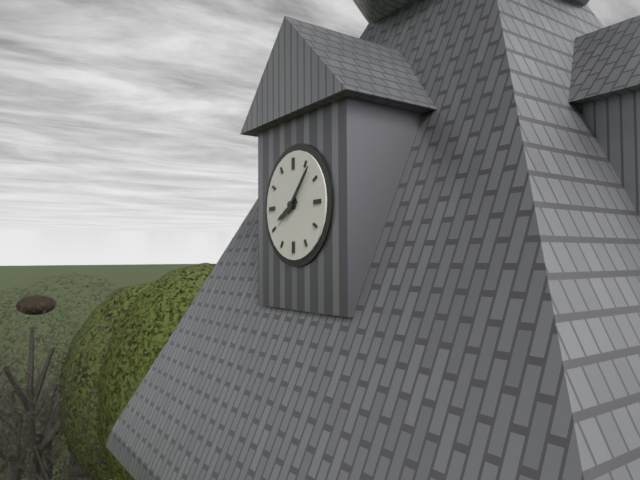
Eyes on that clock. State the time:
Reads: 8:07
